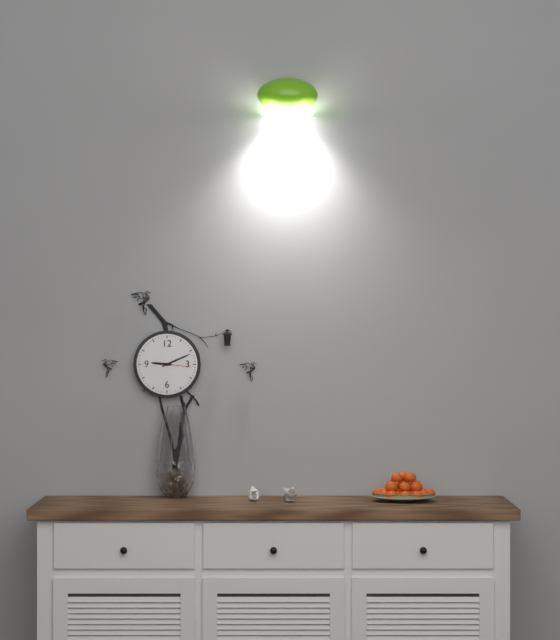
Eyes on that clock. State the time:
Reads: 9:11
